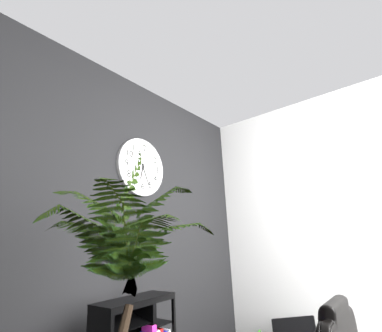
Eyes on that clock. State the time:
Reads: 6:26
